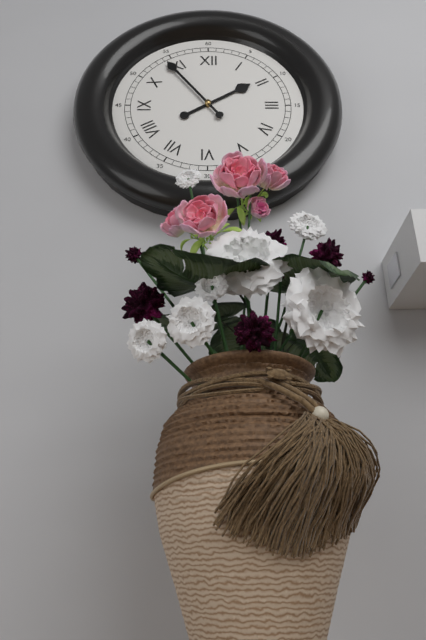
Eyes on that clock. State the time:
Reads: 1:54
